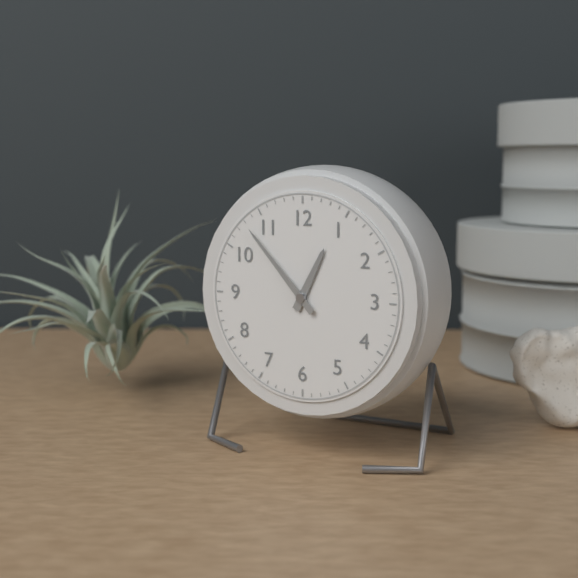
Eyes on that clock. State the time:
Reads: 12:53
